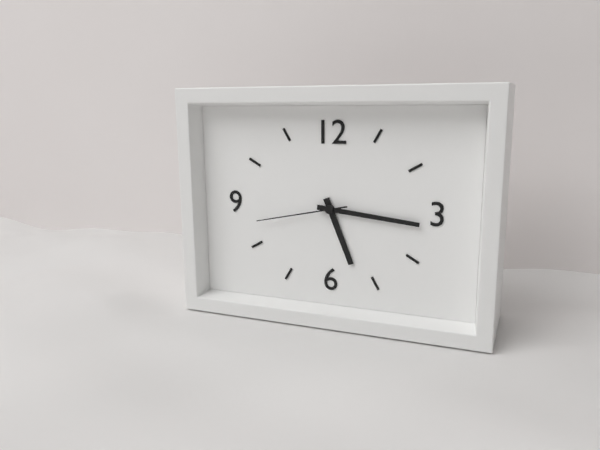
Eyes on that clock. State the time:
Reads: 5:16:43
